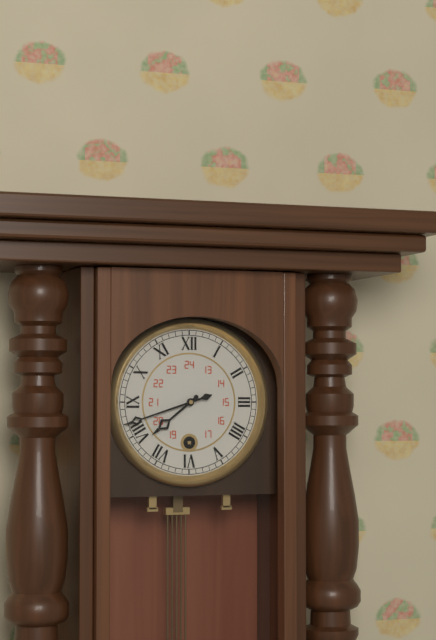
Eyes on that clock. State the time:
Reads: 7:42
